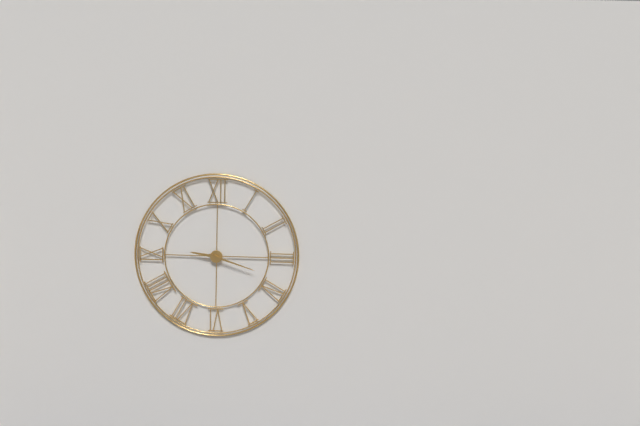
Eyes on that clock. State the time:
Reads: 9:18
